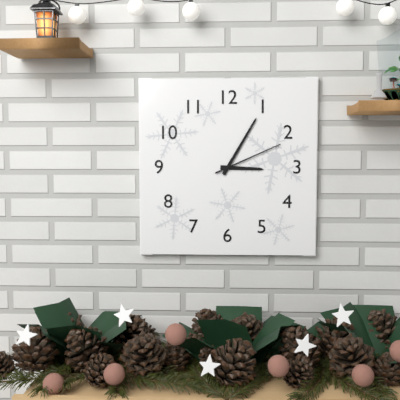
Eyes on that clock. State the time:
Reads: 3:05:11
